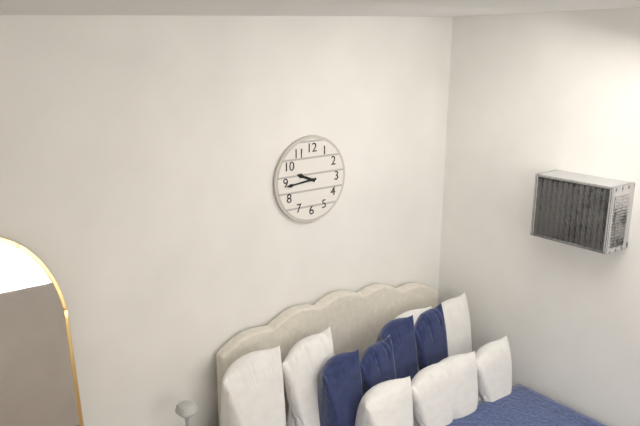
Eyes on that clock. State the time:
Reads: 9:44
